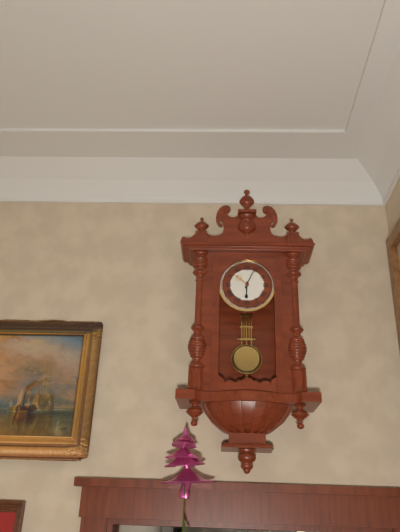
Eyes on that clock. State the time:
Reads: 6:04
